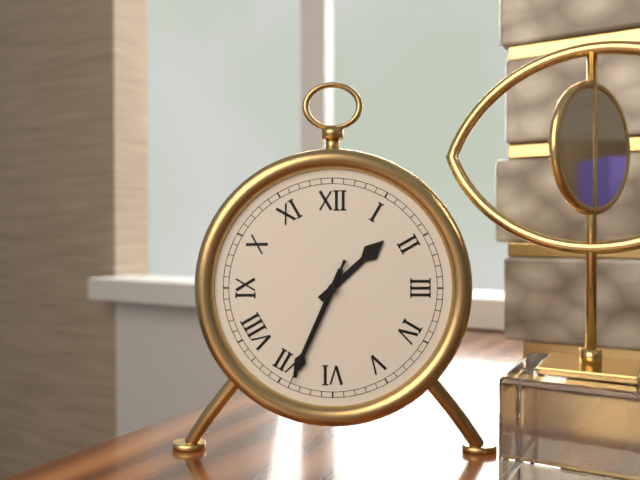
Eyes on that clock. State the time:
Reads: 1:34:34
